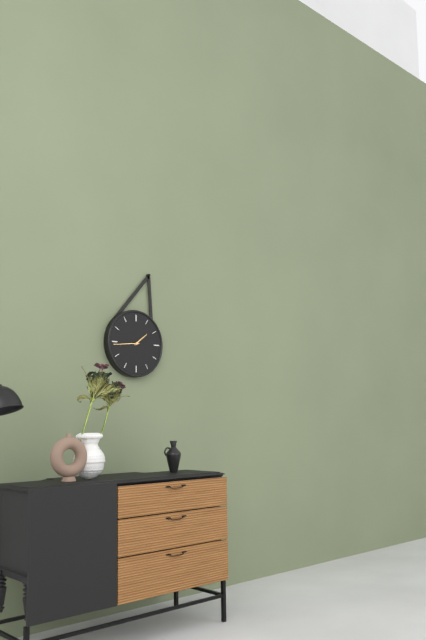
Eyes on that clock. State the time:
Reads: 1:44
